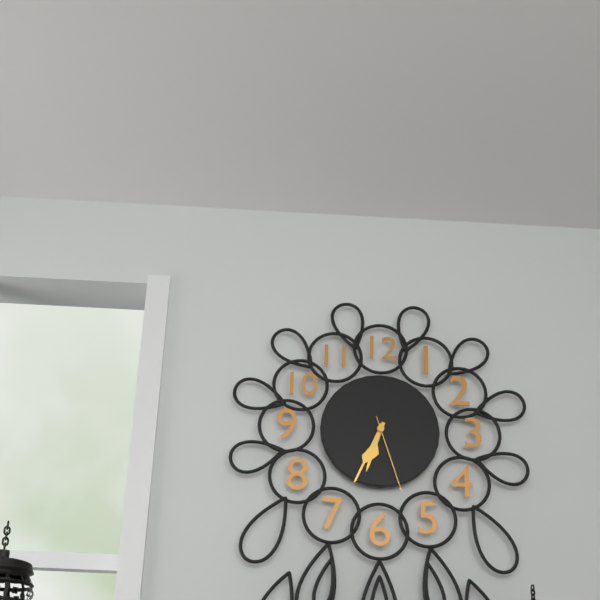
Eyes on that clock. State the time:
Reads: 6:34:27
